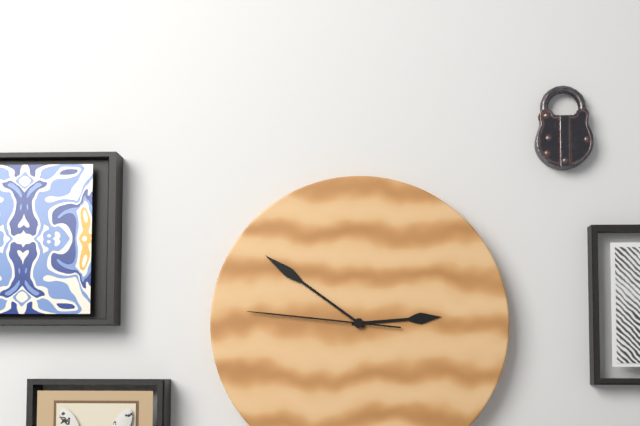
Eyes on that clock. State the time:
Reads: 2:51:46
